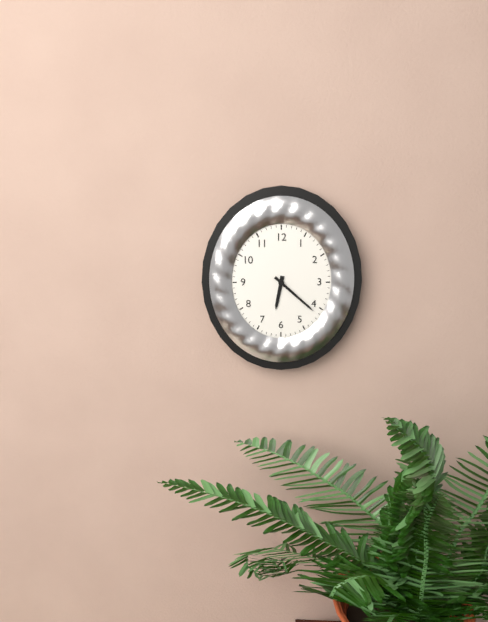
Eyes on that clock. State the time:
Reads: 6:22
